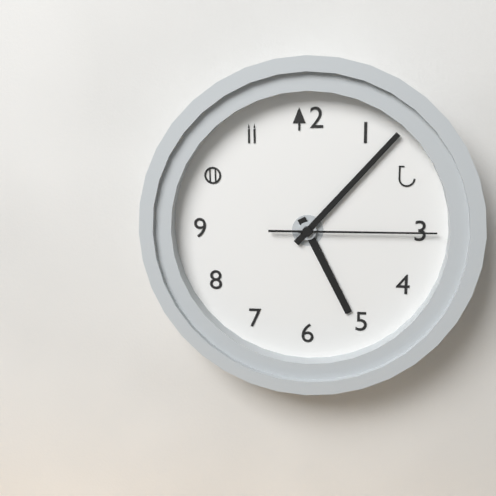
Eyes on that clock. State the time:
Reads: 5:07:15
